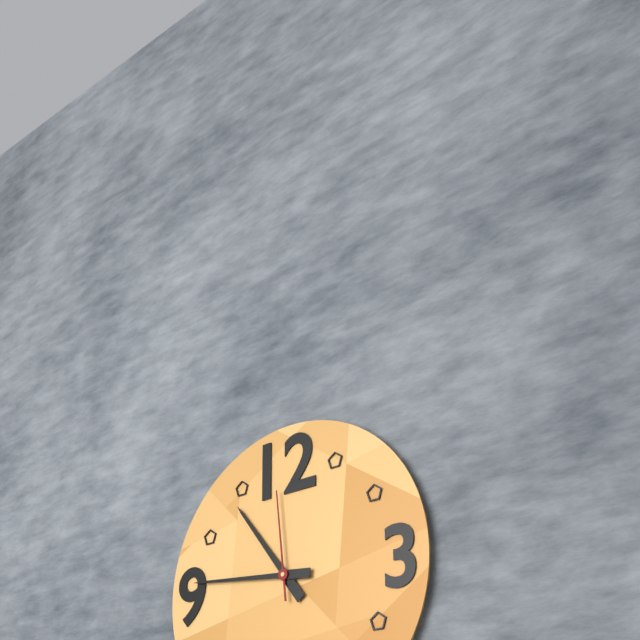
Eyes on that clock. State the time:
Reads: 10:46:59
